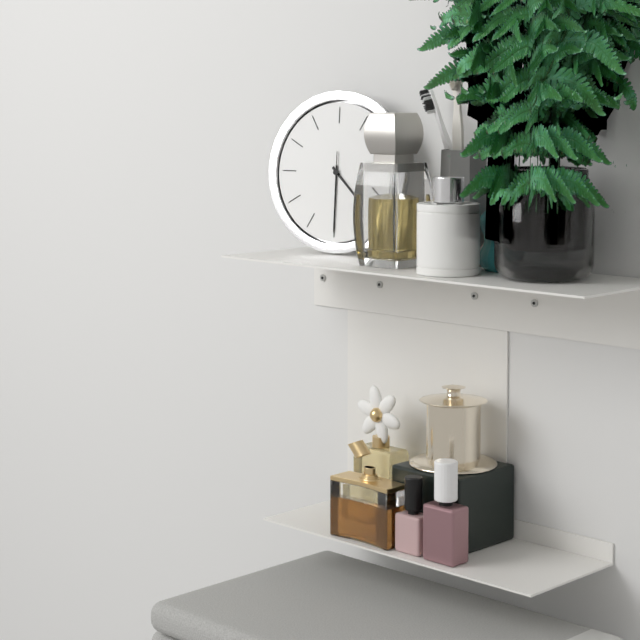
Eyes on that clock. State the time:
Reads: 4:30:30
